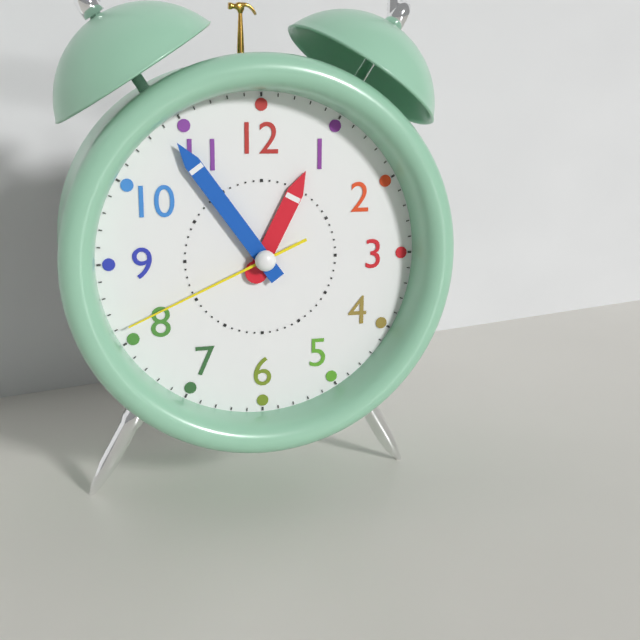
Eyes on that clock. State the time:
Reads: 12:54:41
